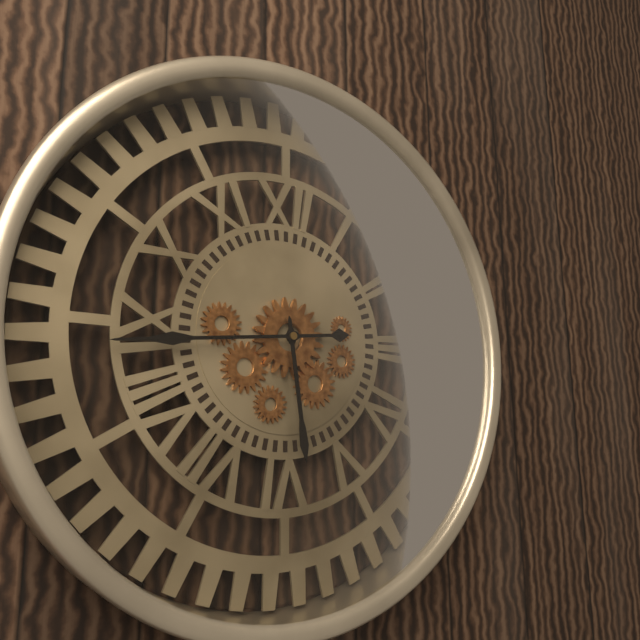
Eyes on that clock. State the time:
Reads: 5:44
